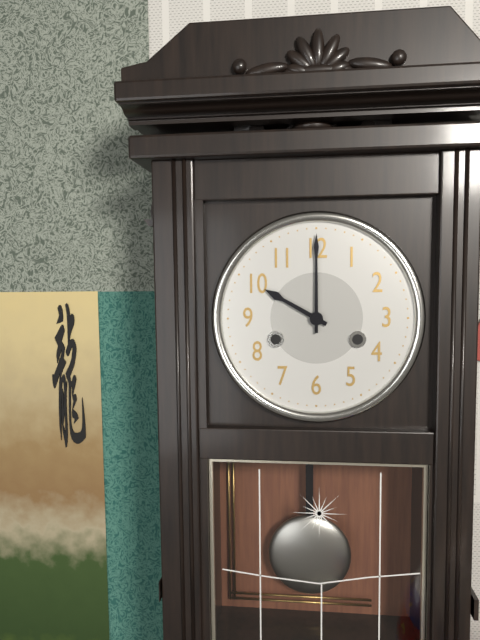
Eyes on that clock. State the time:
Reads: 10:00
